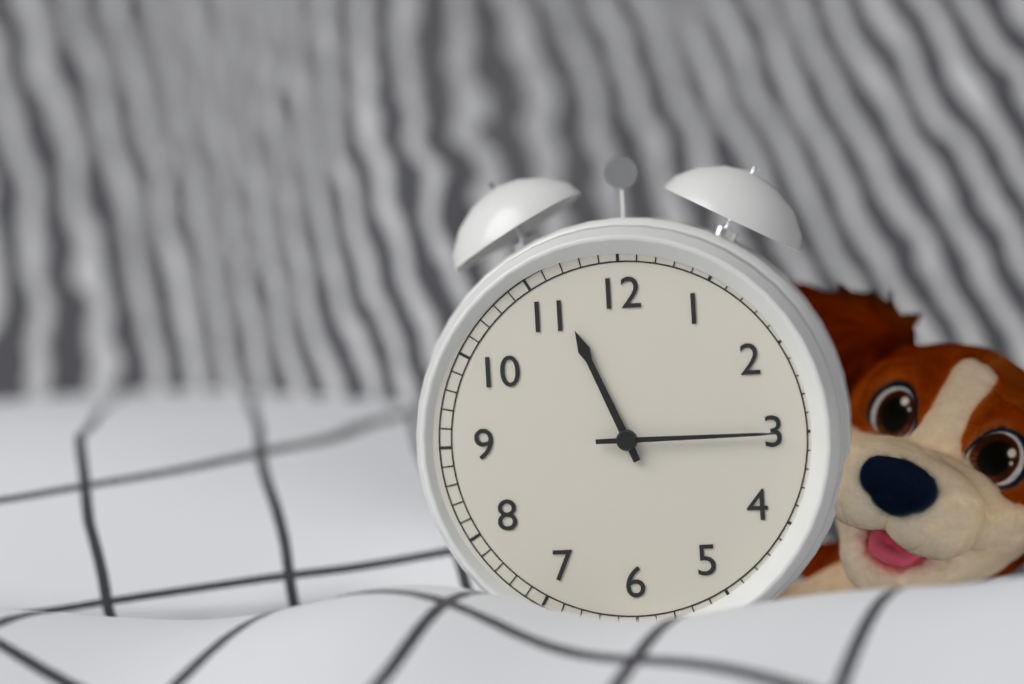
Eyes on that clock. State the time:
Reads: 11:15
